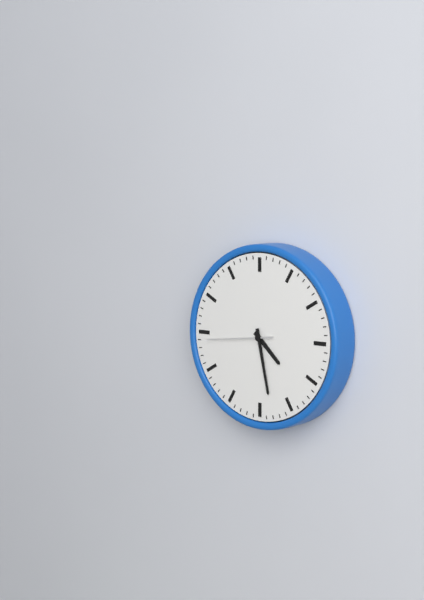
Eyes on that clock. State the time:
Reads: 4:28:44
